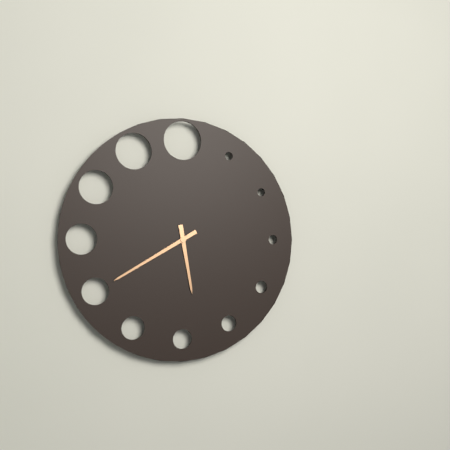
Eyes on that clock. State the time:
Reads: 5:40
